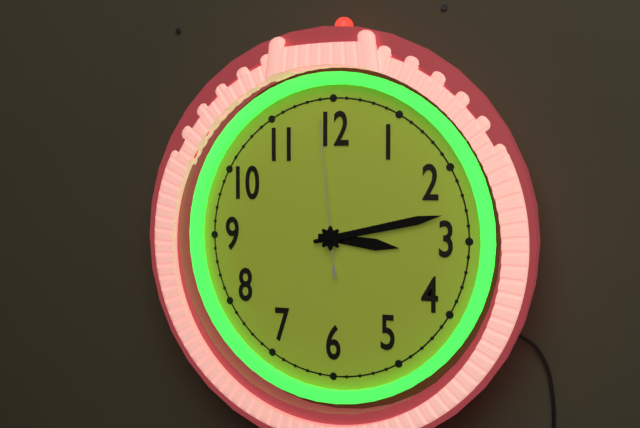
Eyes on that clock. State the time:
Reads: 3:13:59
